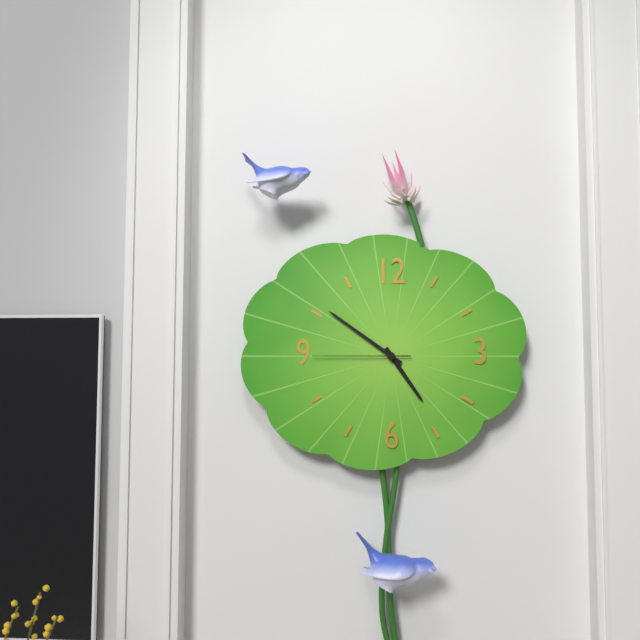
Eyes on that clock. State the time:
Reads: 4:51:45
